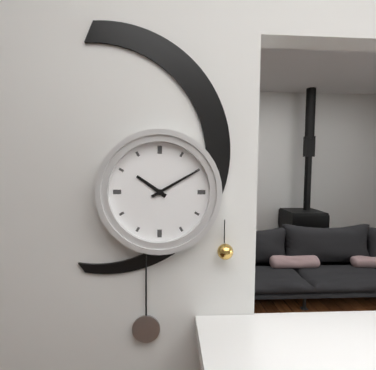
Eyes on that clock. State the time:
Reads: 10:10
